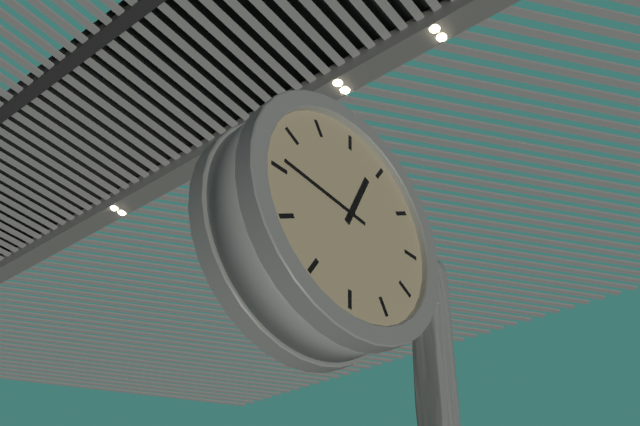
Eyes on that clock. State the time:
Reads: 12:46
